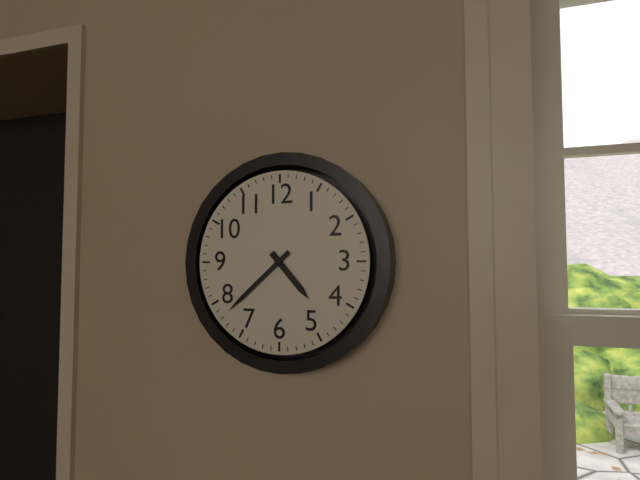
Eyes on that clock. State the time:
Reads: 4:38
